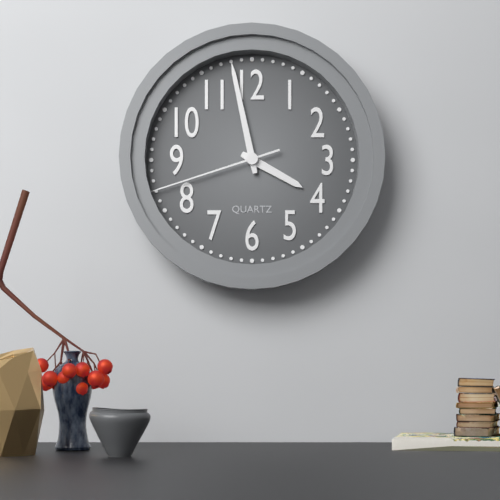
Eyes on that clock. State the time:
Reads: 3:58:42
